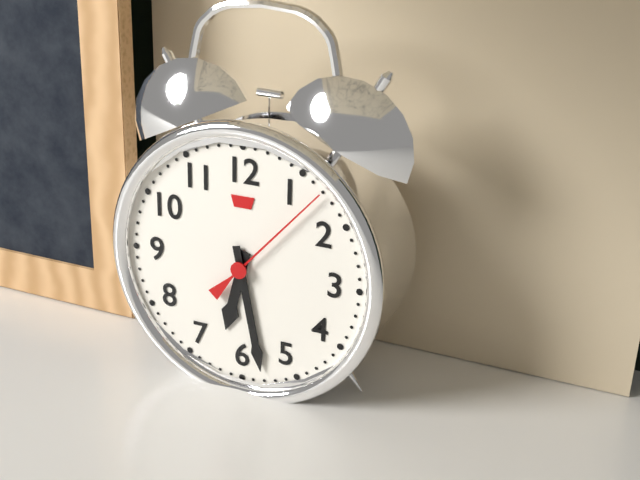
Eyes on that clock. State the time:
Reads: 6:28:07
